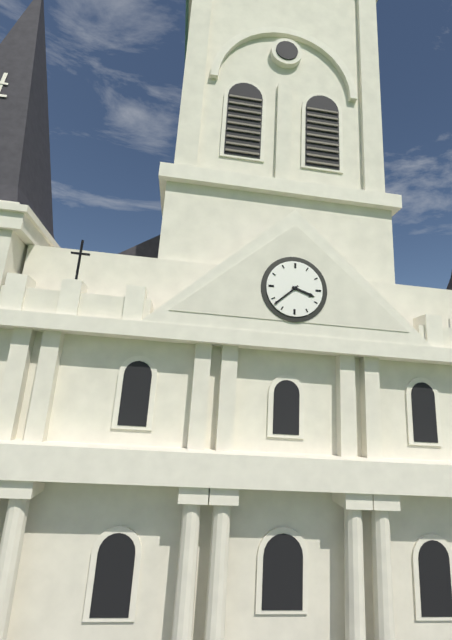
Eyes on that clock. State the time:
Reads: 3:38
